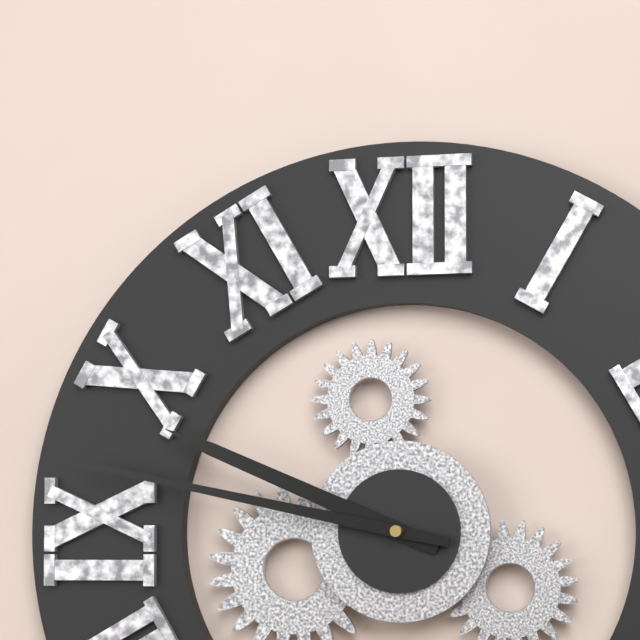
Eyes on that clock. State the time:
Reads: 9:47
